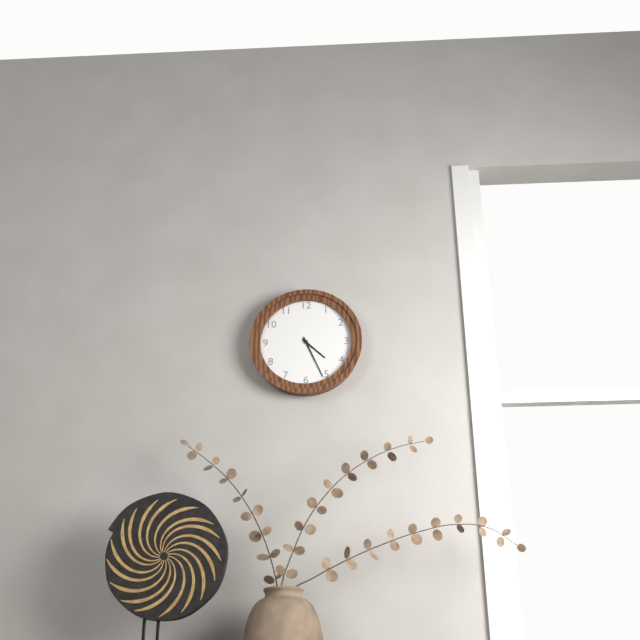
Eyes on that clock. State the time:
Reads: 4:26
